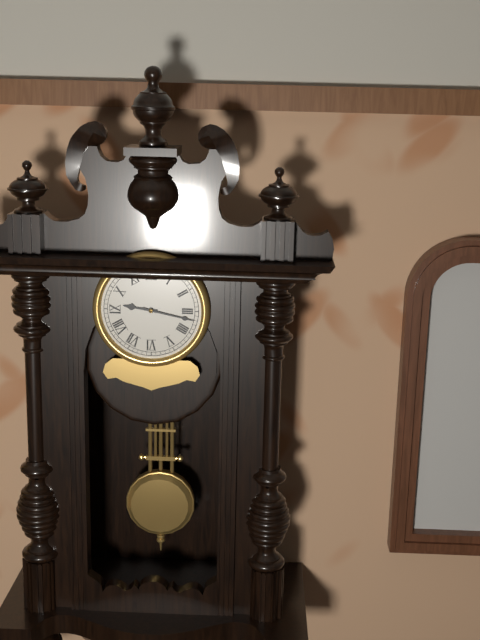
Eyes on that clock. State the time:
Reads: 9:17
